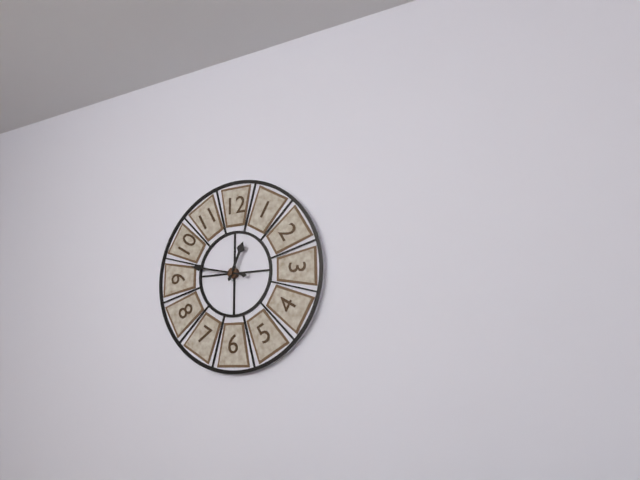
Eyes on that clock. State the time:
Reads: 12:47
